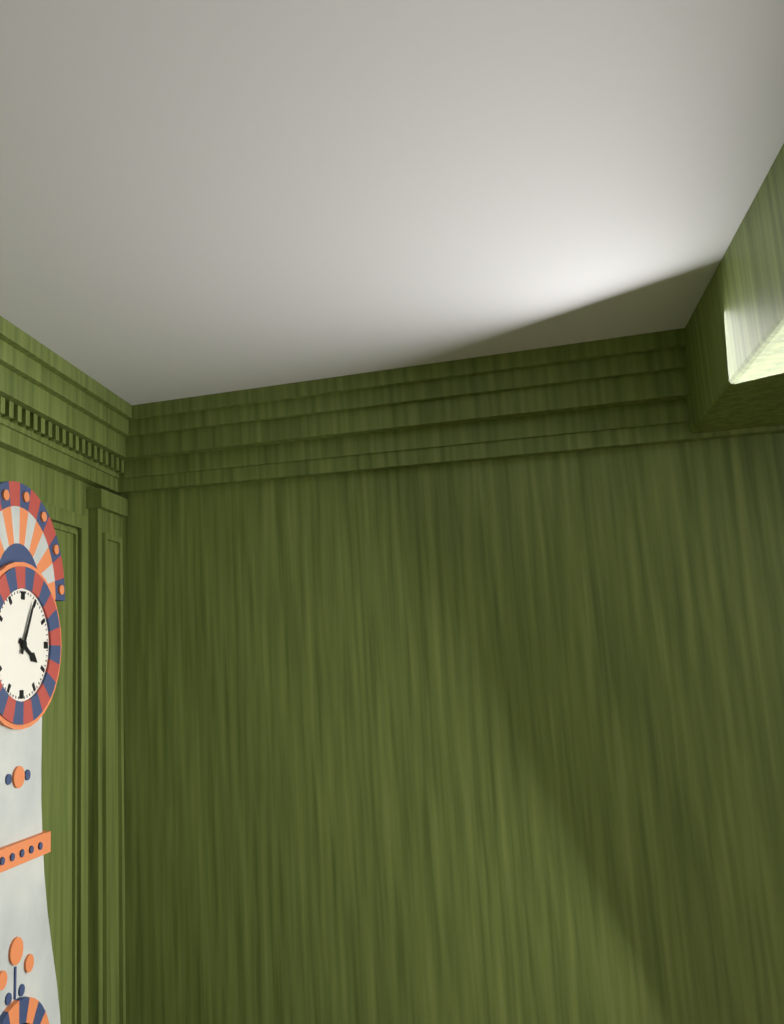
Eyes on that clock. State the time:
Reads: 4:04
